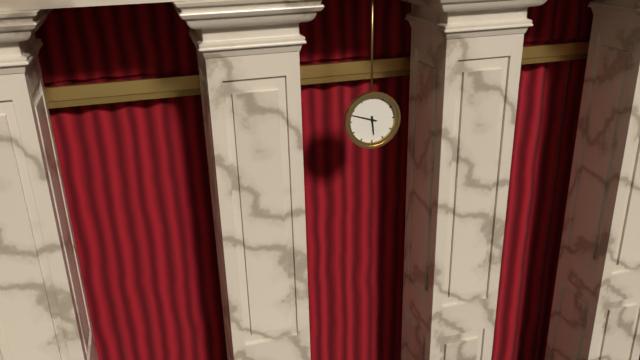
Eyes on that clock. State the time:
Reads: 5:48
